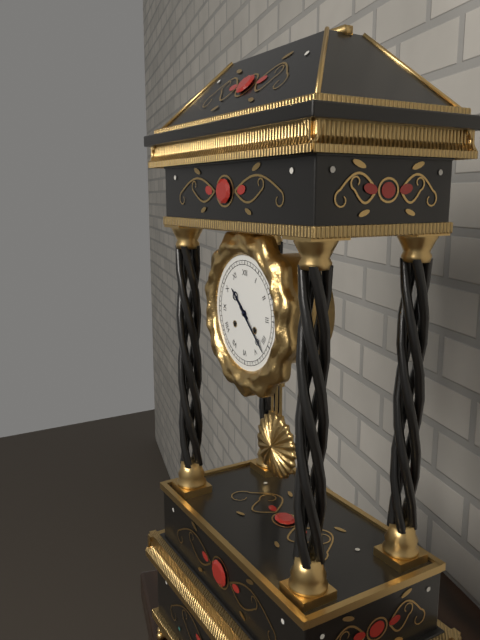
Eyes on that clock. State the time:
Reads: 10:22
